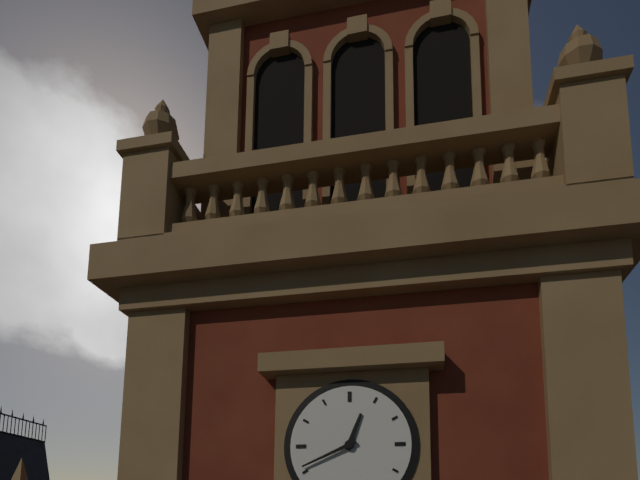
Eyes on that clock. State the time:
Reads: 12:41
